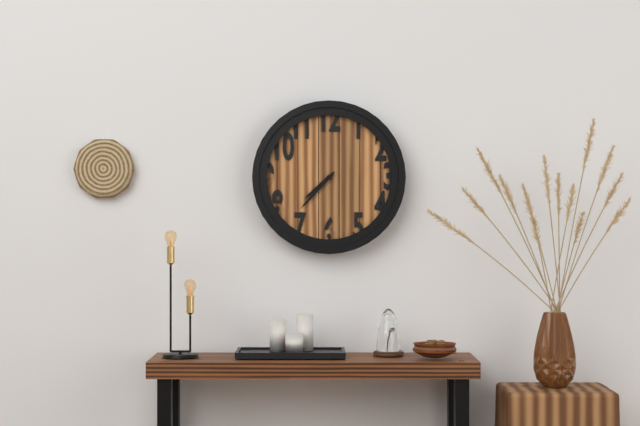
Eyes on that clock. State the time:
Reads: 7:37
